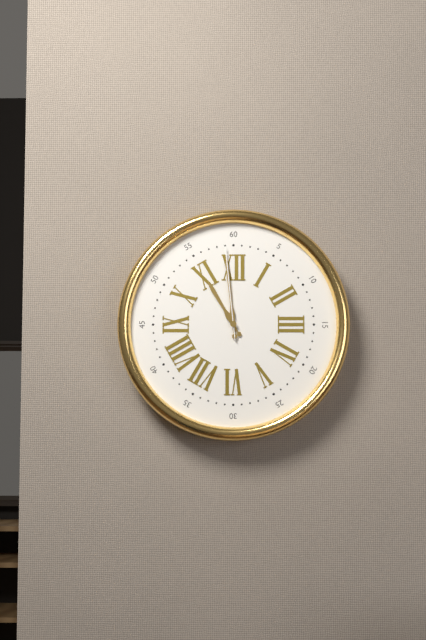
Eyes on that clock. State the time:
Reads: 10:59:59
